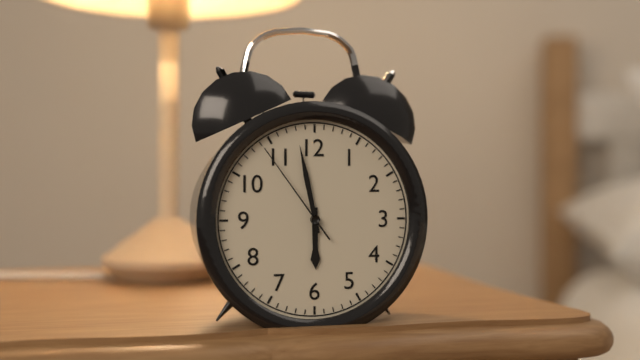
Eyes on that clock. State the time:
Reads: 5:58:54
